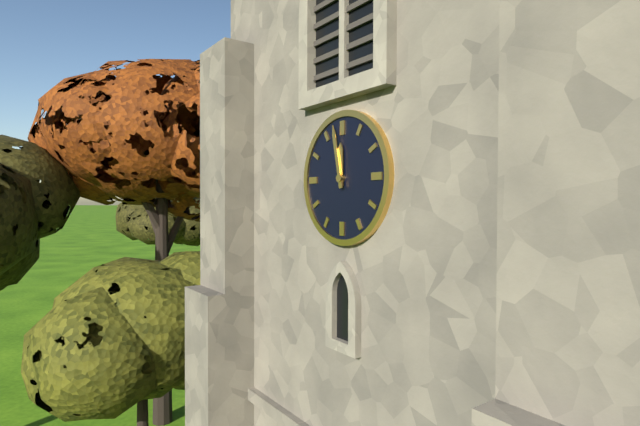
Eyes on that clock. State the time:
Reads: 11:58
